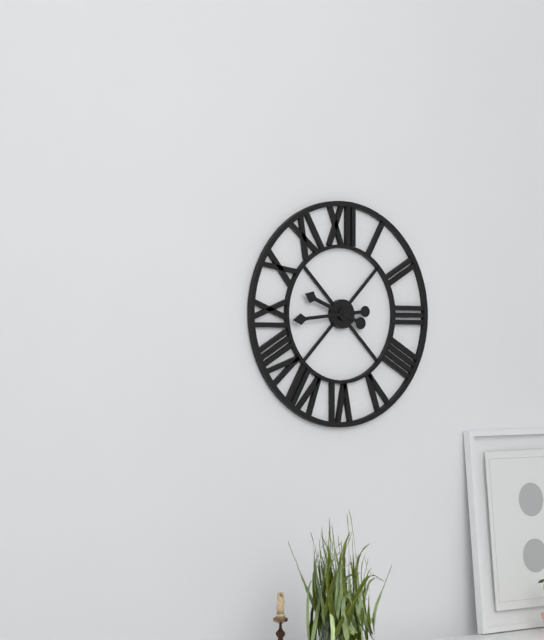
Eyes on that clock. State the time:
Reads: 9:44
